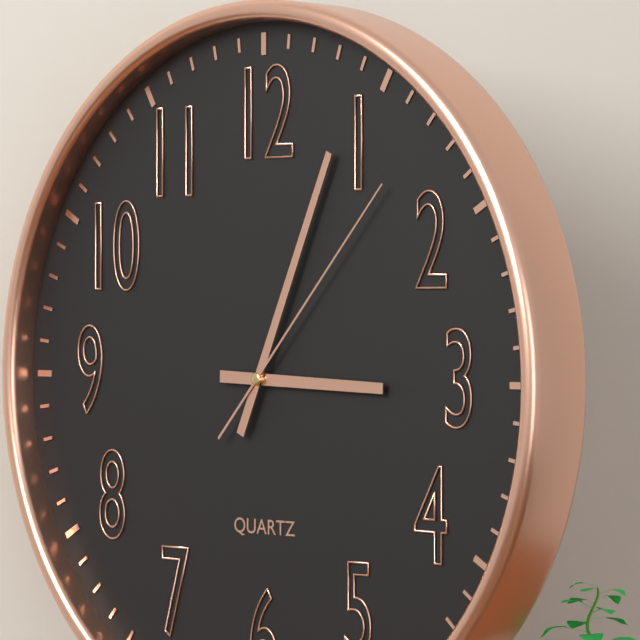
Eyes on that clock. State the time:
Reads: 3:04:07
